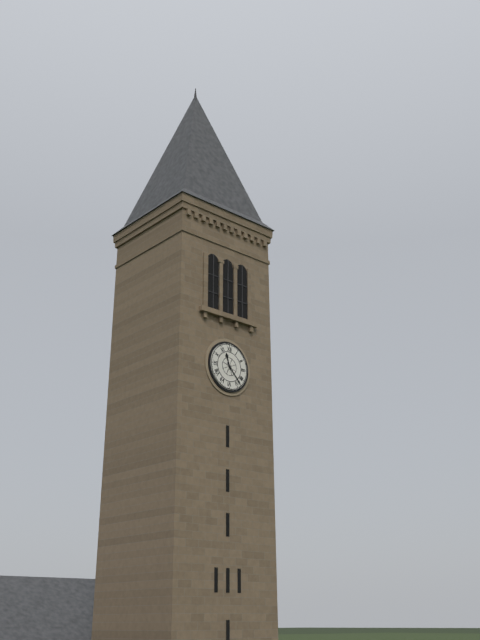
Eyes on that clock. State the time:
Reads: 11:23
